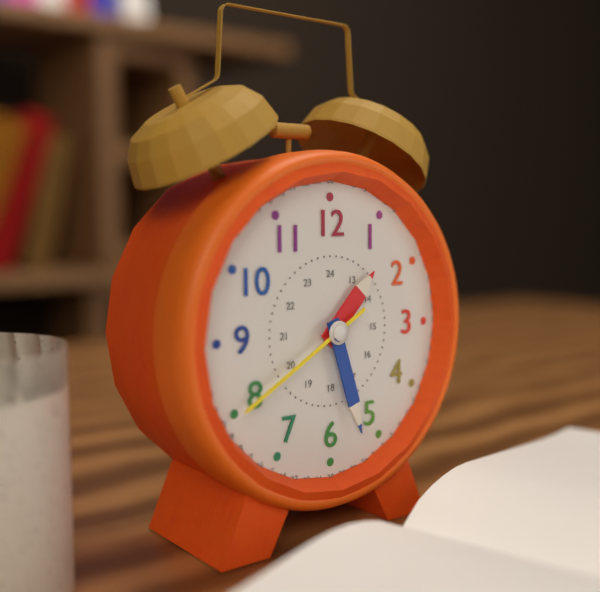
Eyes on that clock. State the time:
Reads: 1:27:40
